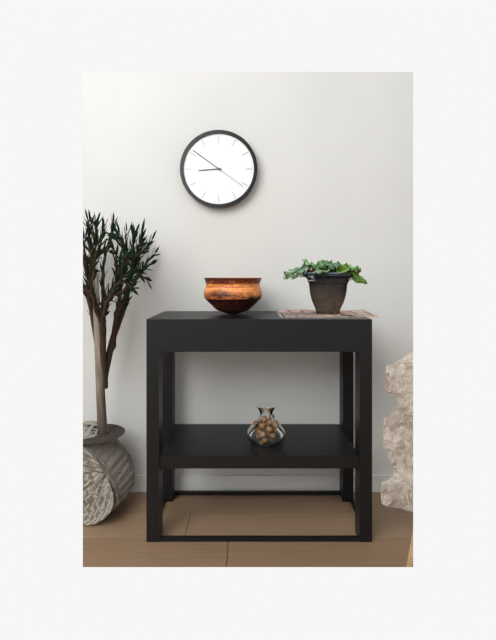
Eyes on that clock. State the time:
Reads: 8:51
